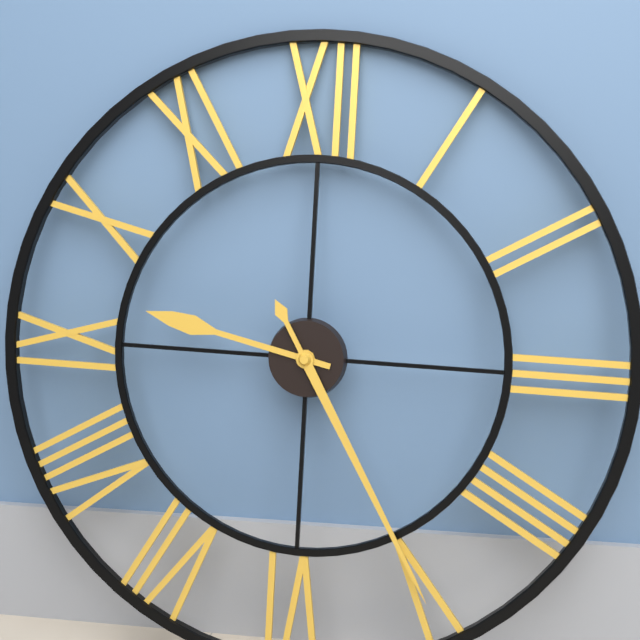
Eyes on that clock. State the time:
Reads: 9:25
